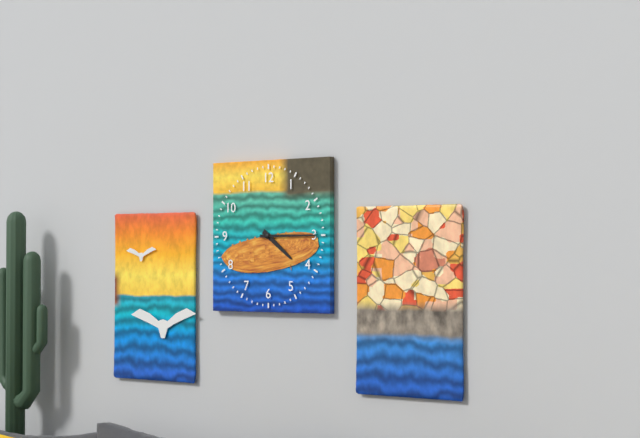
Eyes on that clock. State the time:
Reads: 4:15
